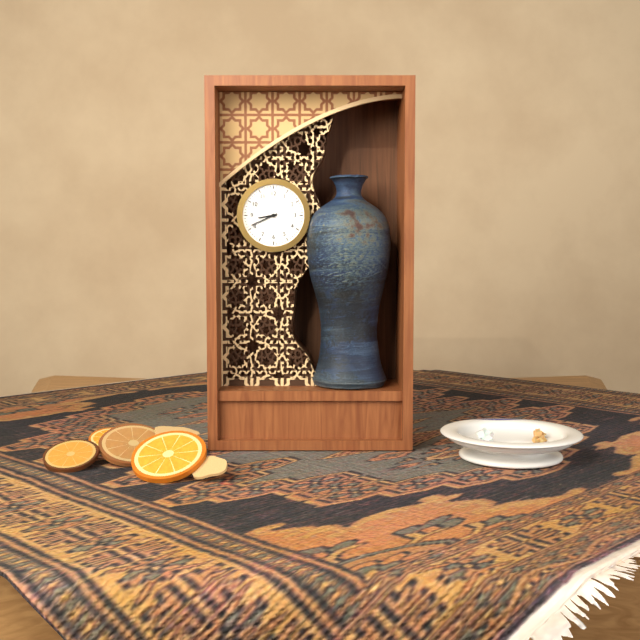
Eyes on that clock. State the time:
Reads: 8:41
